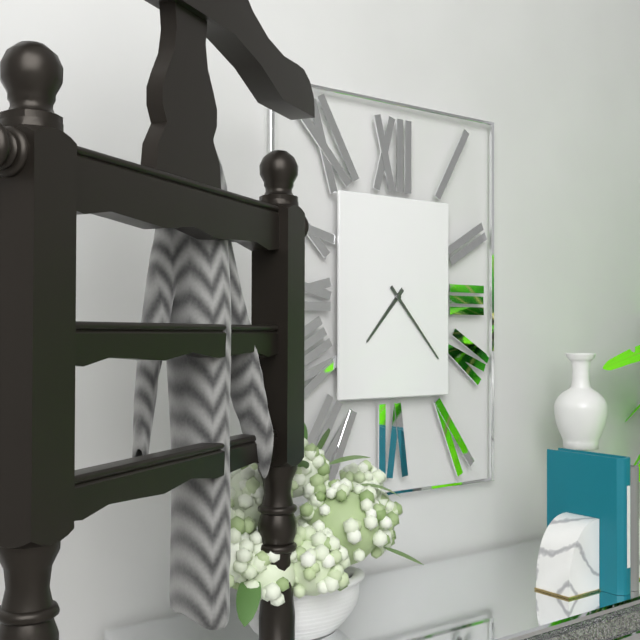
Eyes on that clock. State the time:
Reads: 7:23
